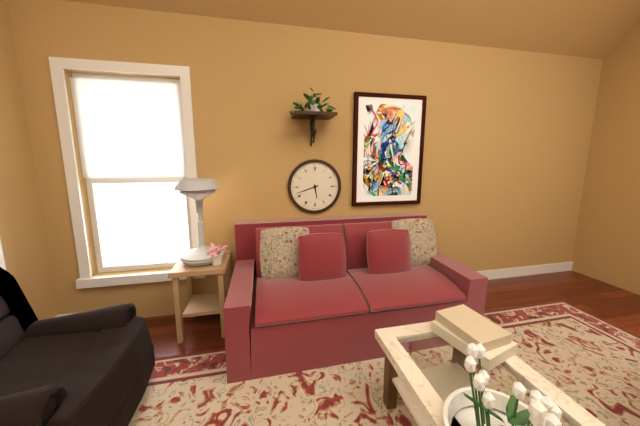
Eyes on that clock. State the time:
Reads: 5:42
